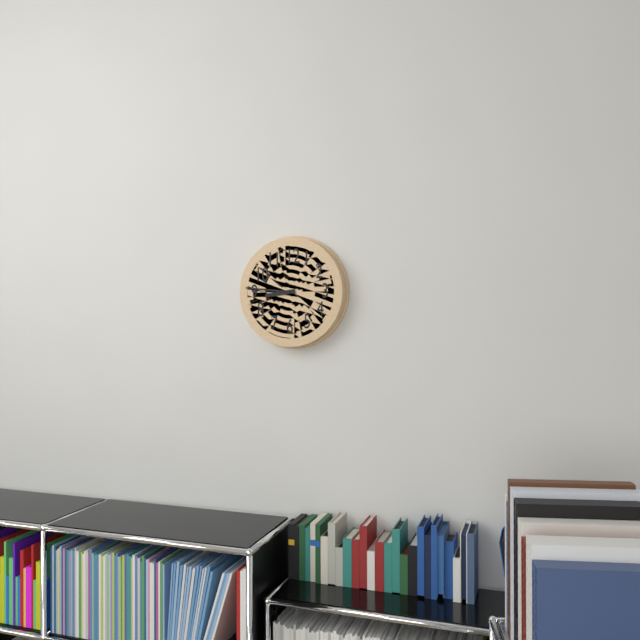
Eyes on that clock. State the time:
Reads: 8:46
